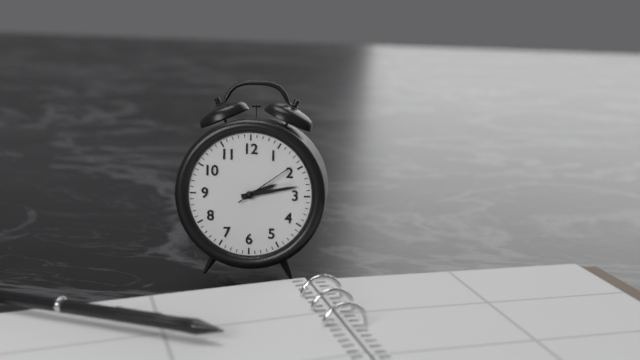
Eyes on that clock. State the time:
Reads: 2:13:09
